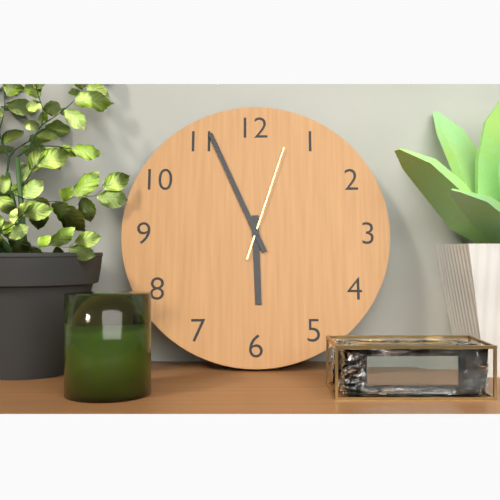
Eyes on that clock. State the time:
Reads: 5:56:03
